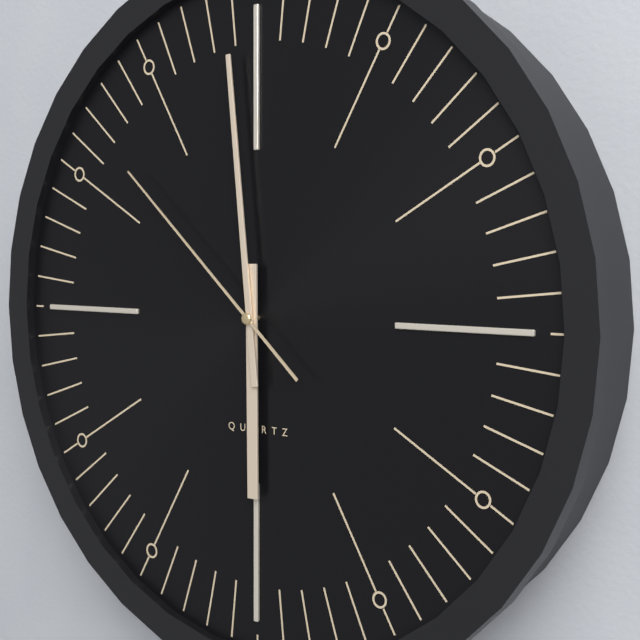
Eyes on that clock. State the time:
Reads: 5:59:52
